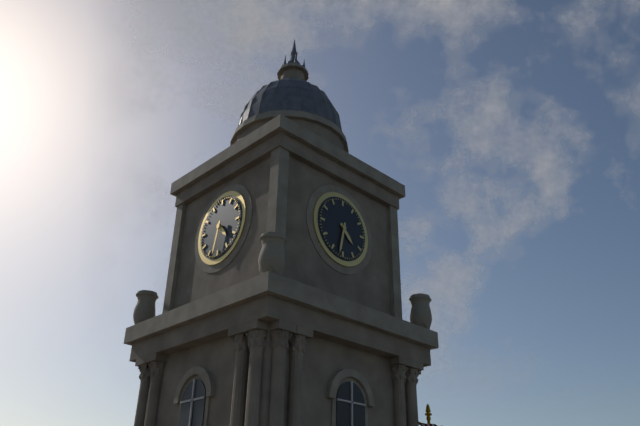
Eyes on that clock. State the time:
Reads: 4:32
